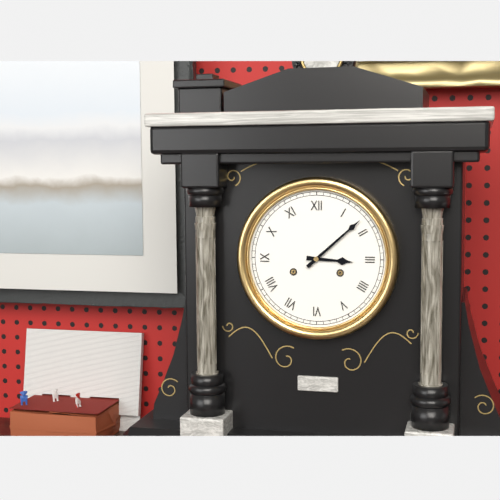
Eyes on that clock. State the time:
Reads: 3:08
